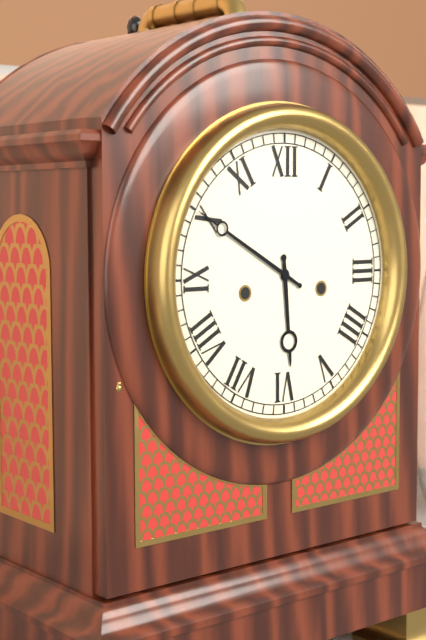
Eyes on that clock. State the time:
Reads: 5:50
